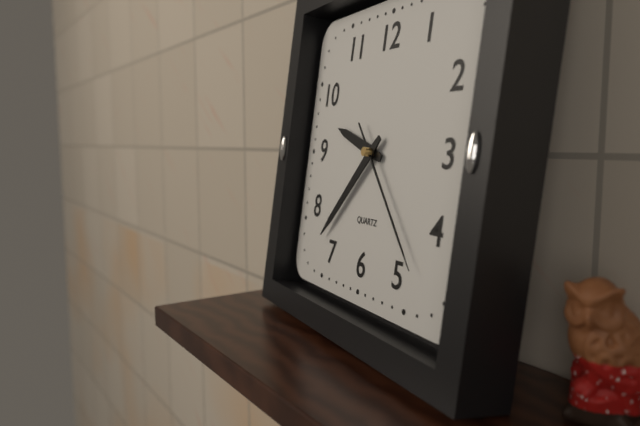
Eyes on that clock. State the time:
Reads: 9:37:23
